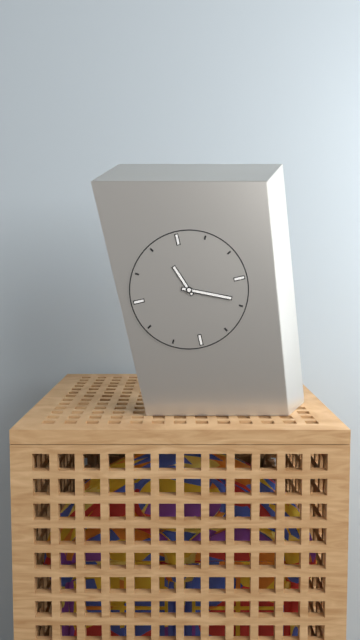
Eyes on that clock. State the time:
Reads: 11:19
